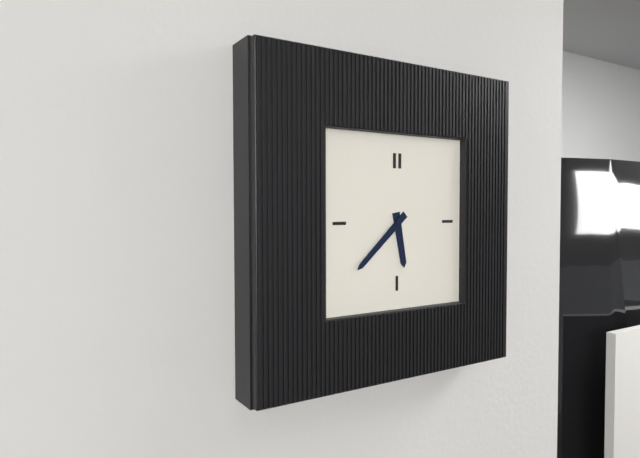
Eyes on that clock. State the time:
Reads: 5:38
